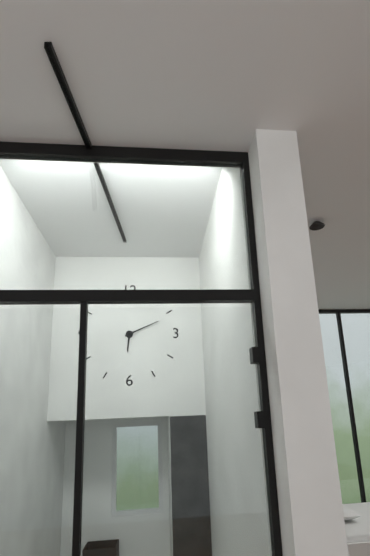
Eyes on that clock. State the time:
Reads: 6:11
